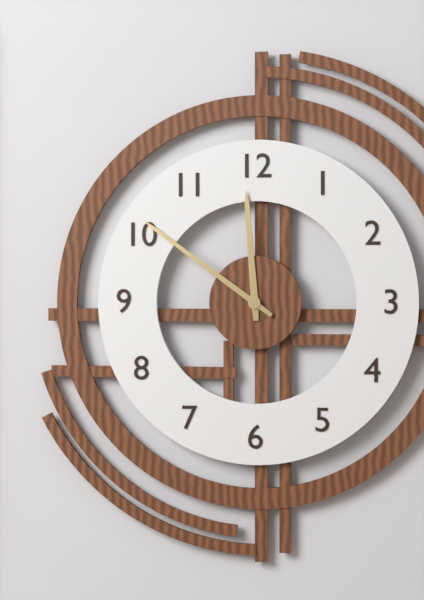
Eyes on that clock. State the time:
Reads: 11:51
